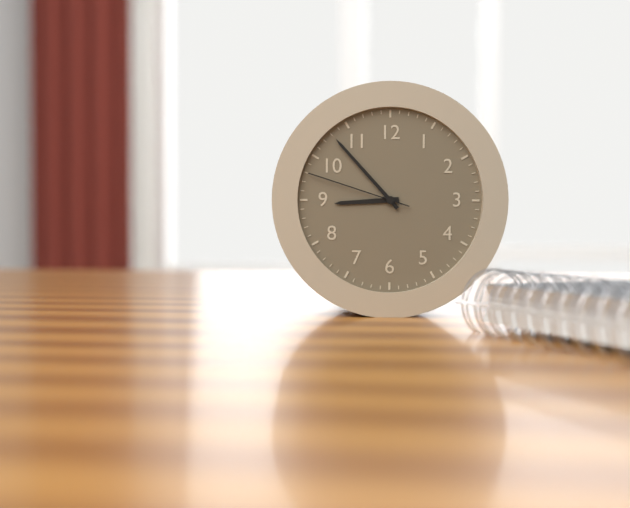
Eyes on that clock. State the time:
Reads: 8:53:48
